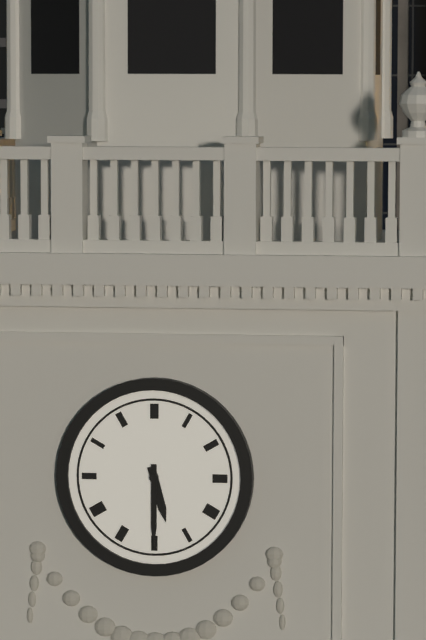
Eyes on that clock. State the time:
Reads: 5:30
